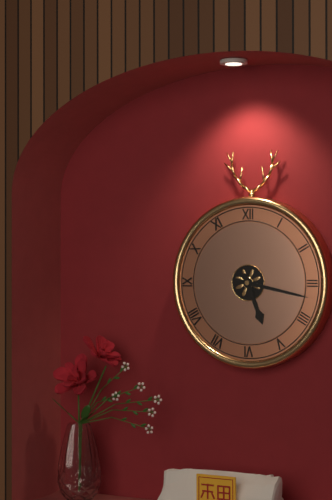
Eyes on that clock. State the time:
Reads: 5:17
